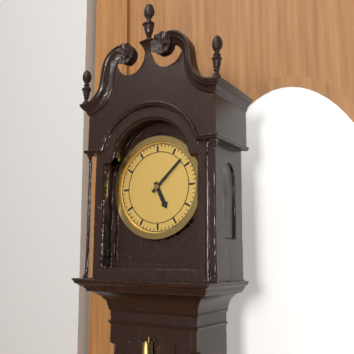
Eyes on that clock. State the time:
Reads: 5:08
